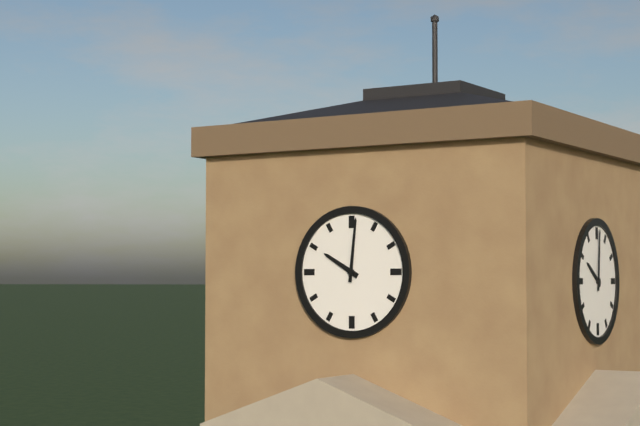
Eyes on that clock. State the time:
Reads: 10:01
